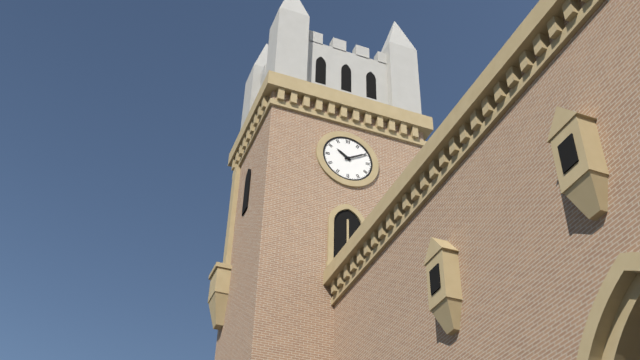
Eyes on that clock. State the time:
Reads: 10:10
